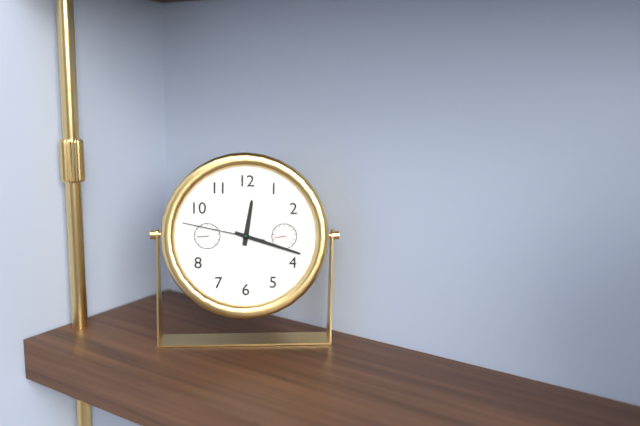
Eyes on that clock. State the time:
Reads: 12:18:47
